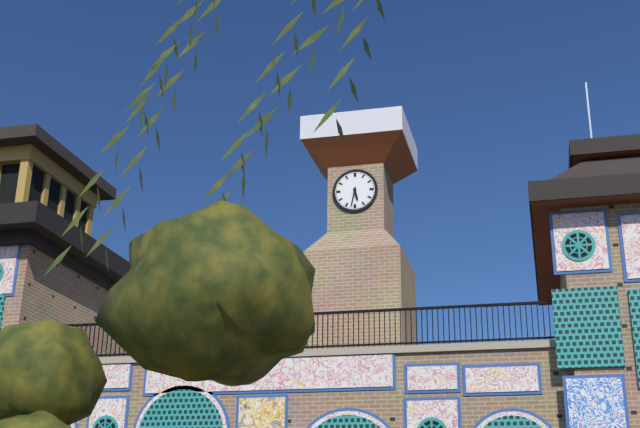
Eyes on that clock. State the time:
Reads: 5:32
